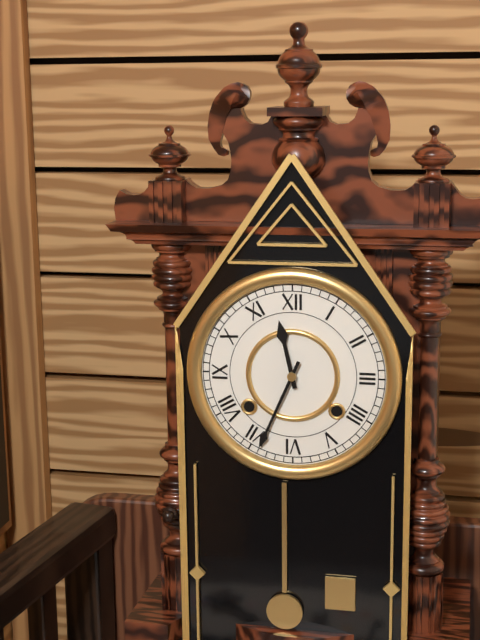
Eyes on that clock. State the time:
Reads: 11:34
